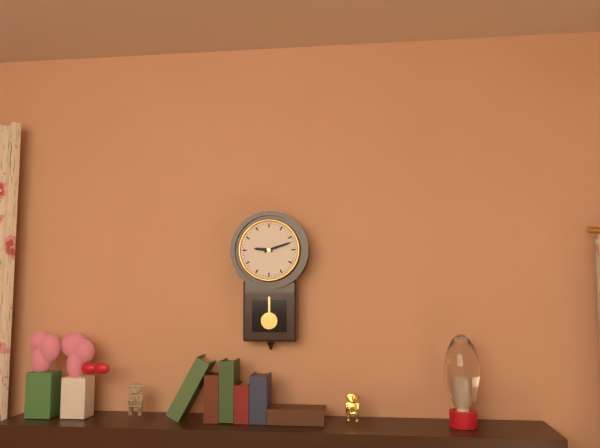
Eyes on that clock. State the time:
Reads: 9:12
